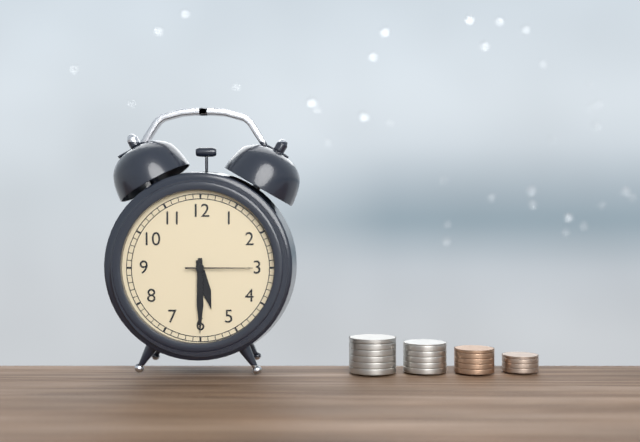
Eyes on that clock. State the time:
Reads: 5:30:15
